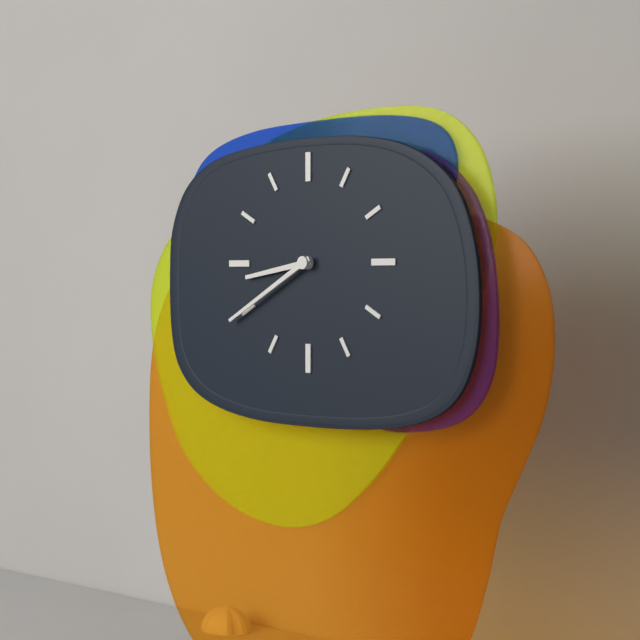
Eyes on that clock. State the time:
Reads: 8:40
